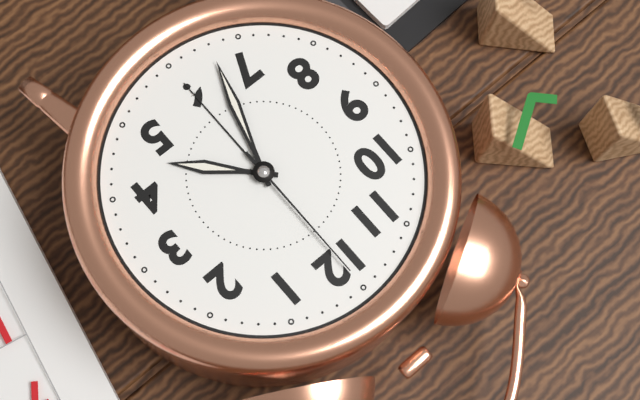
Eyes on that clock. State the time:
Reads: 4:33:00
